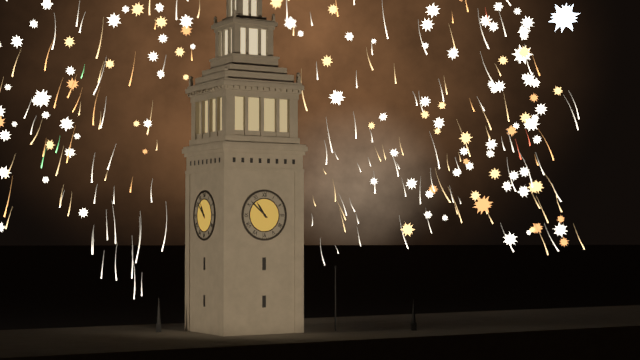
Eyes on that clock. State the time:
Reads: 10:52
